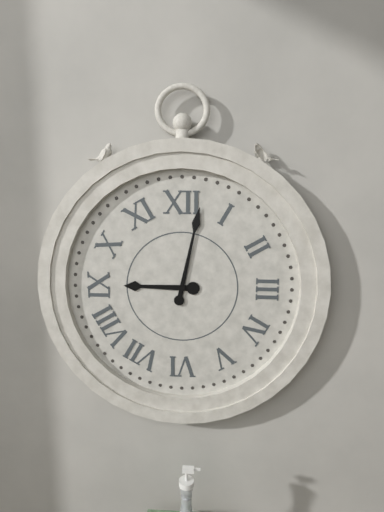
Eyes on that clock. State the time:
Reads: 9:02
